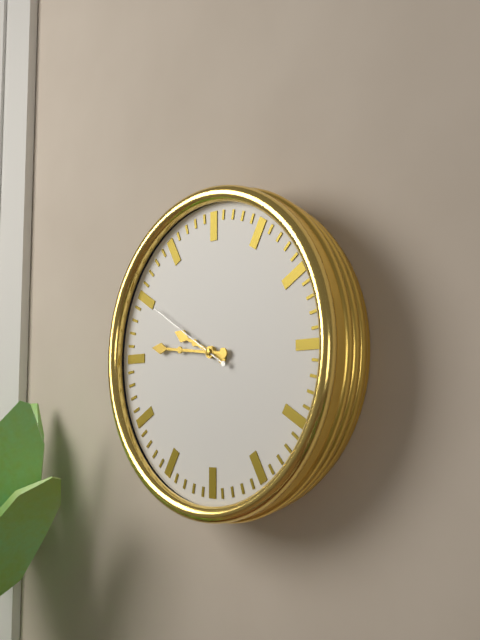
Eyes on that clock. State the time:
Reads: 9:46:50
